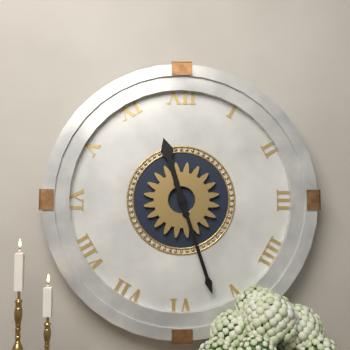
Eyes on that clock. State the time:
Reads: 11:27
